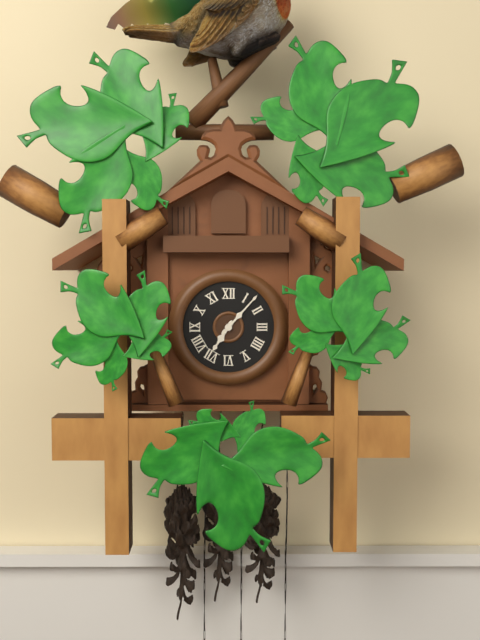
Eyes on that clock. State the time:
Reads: 7:07
